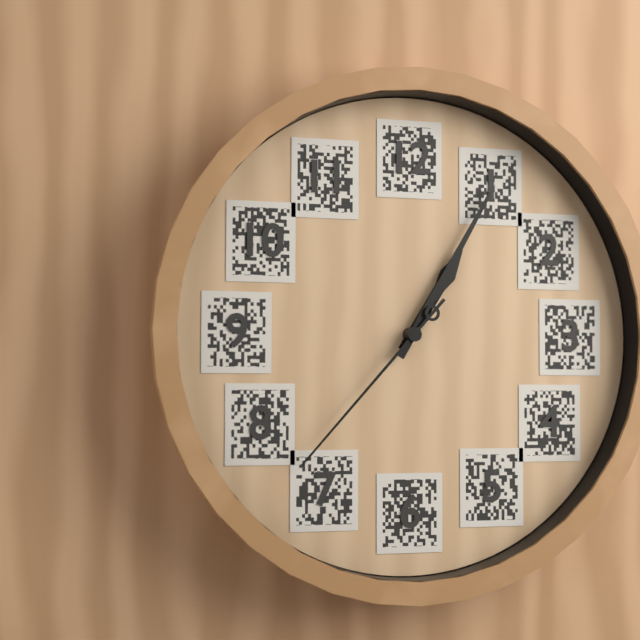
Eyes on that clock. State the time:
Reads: 1:05:37
